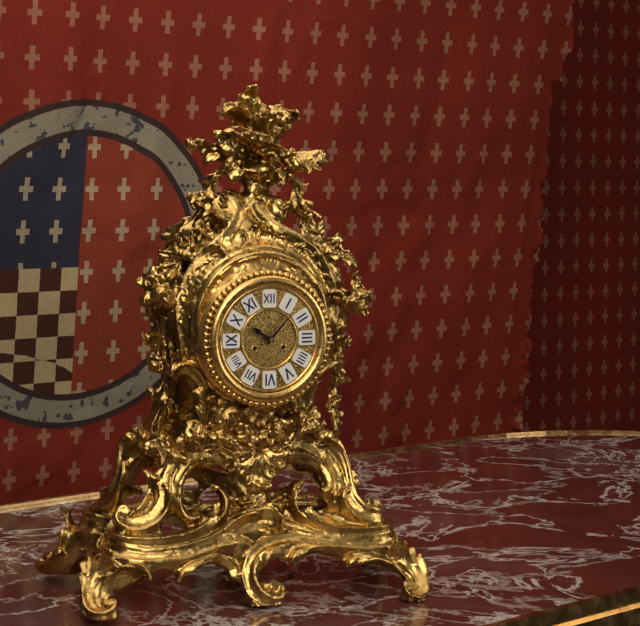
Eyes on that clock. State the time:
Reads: 10:07
